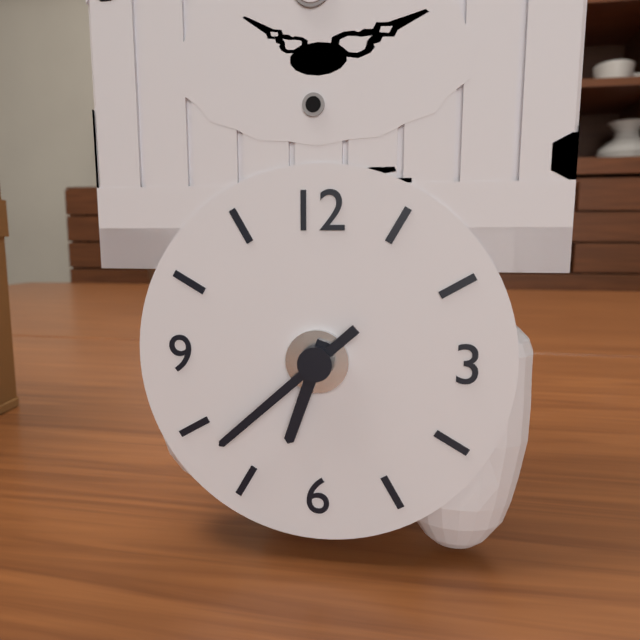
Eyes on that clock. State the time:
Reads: 6:38
